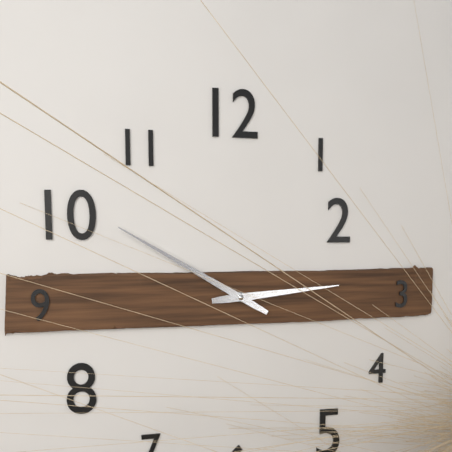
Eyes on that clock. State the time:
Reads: 2:50
